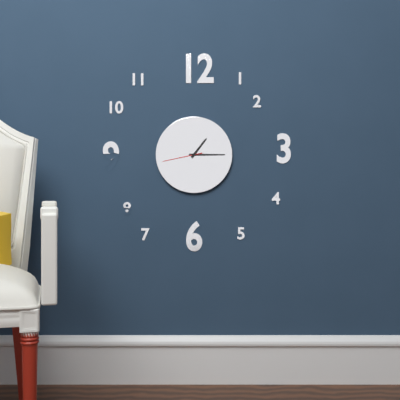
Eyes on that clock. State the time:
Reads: 1:15
